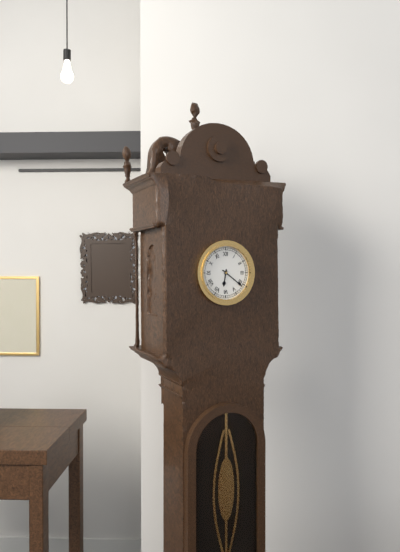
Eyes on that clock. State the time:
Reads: 6:21
